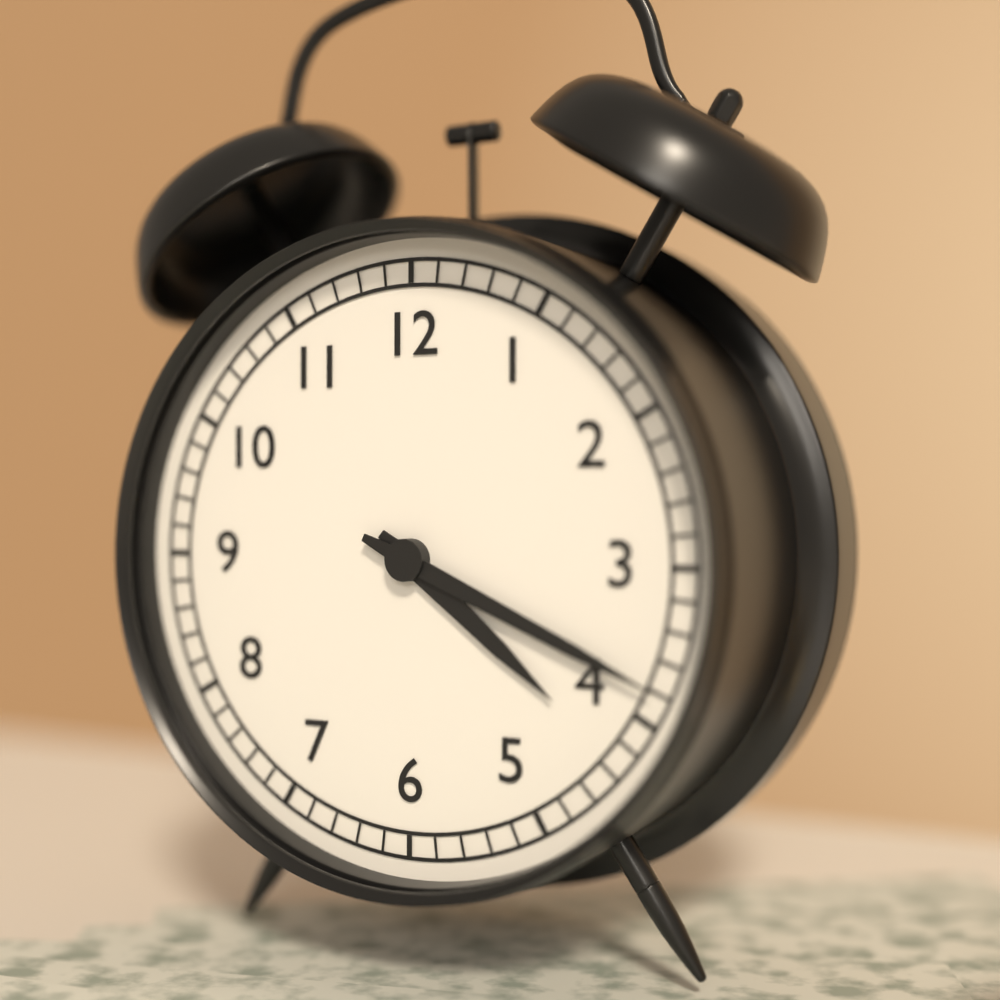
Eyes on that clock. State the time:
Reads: 4:19
